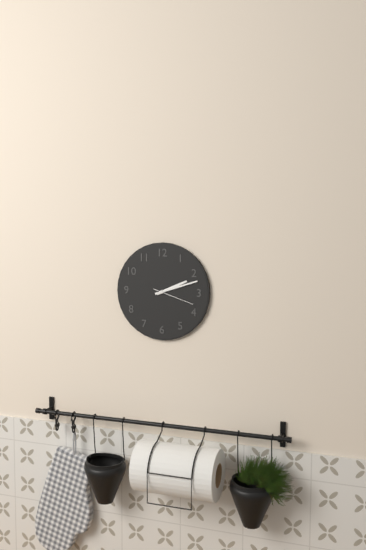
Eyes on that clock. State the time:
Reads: 2:12
